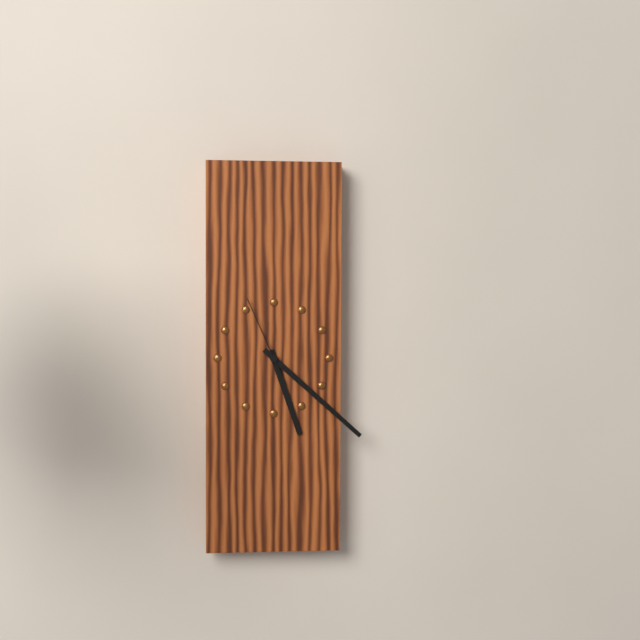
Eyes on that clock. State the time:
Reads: 5:22:56
